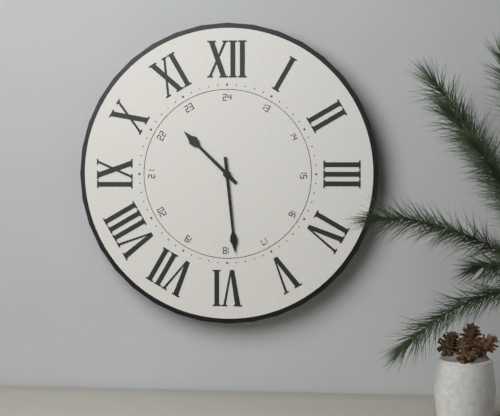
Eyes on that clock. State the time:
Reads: 10:29
